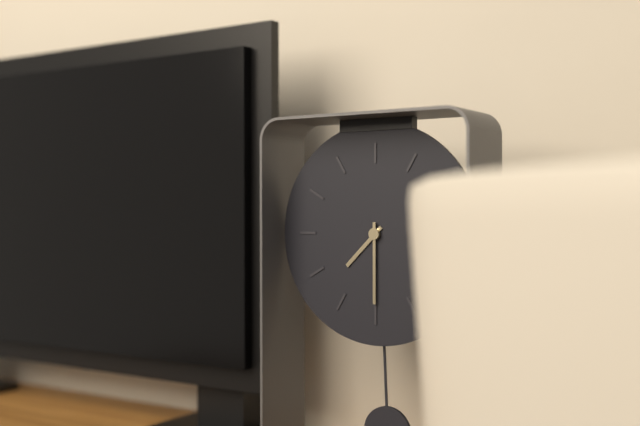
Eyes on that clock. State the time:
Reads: 7:30
